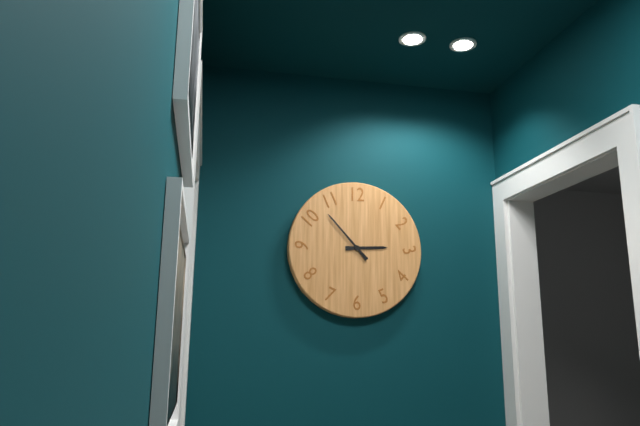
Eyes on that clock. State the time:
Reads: 2:53
